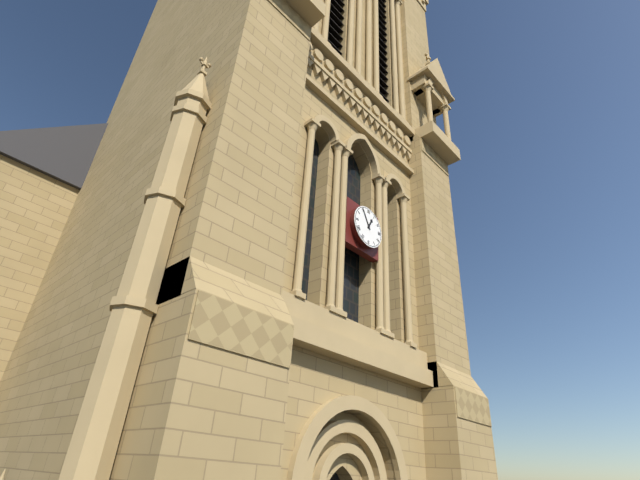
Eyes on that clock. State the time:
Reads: 12:55
